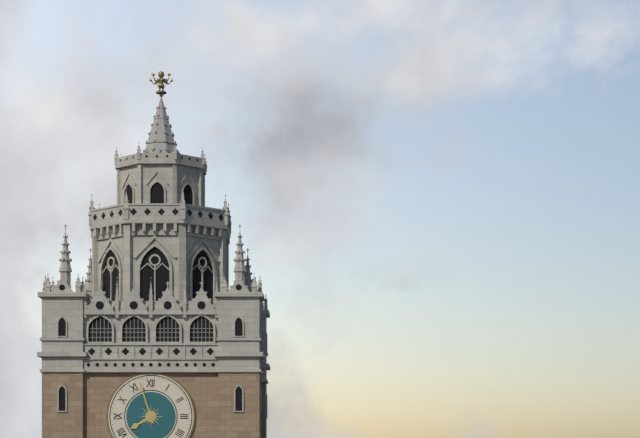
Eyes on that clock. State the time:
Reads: 7:57
